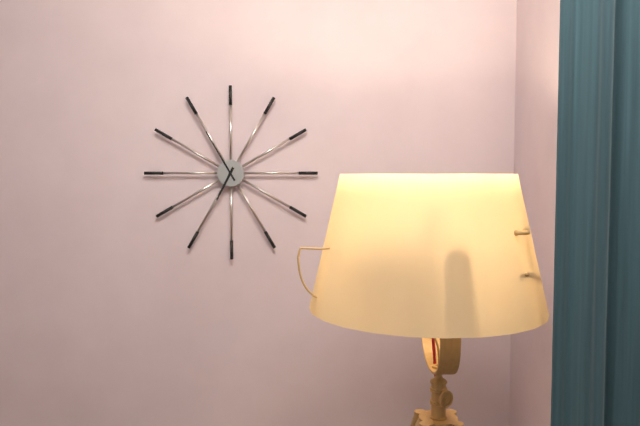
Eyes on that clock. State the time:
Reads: 6:55
